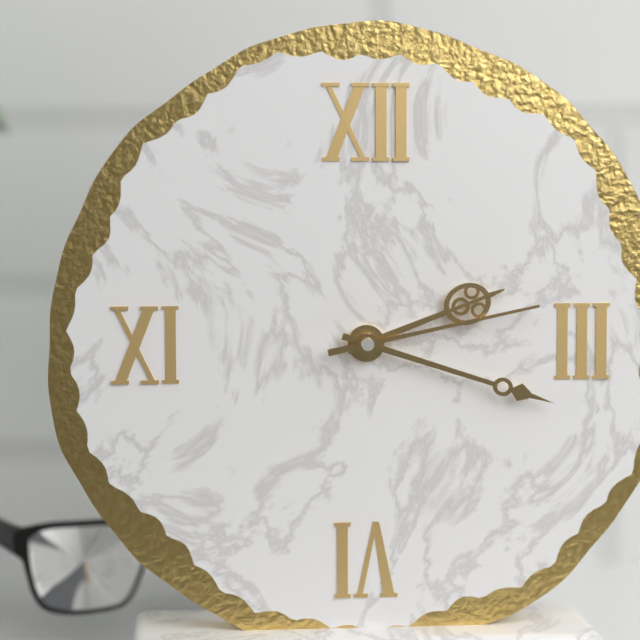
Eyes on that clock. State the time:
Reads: 2:18:13
